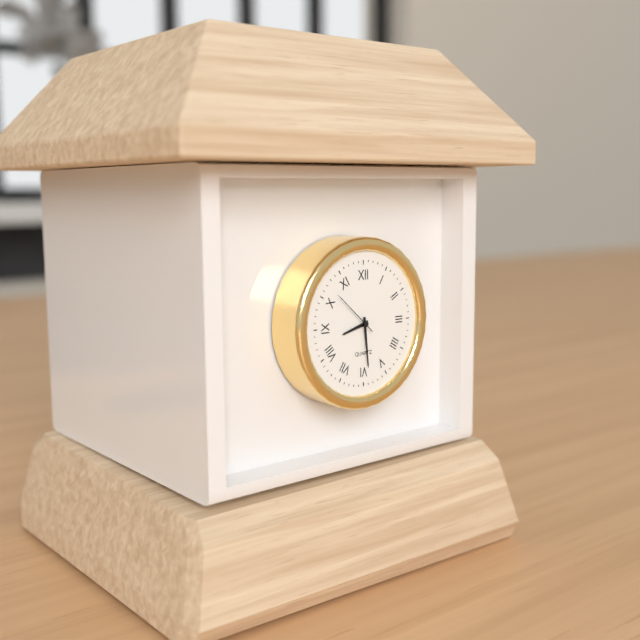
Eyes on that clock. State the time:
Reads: 8:29:52
